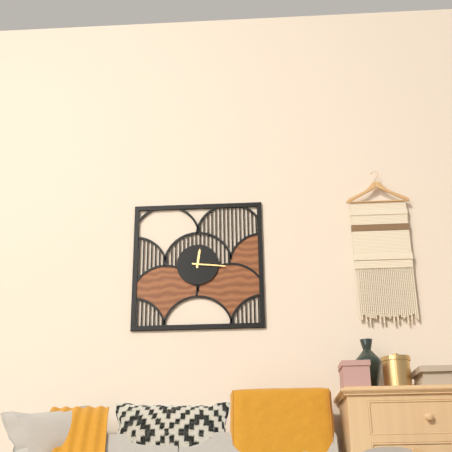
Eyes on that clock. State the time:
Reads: 12:16
